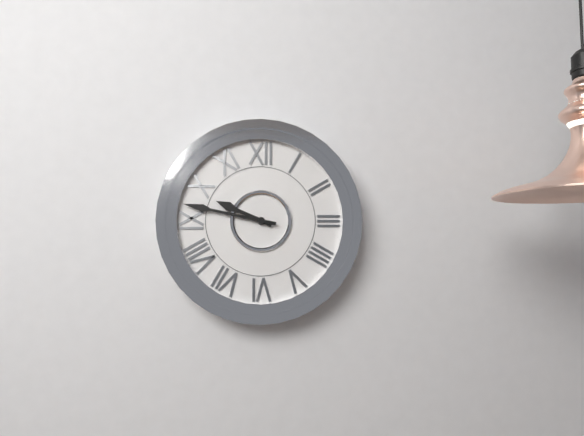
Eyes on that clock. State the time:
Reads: 9:47
